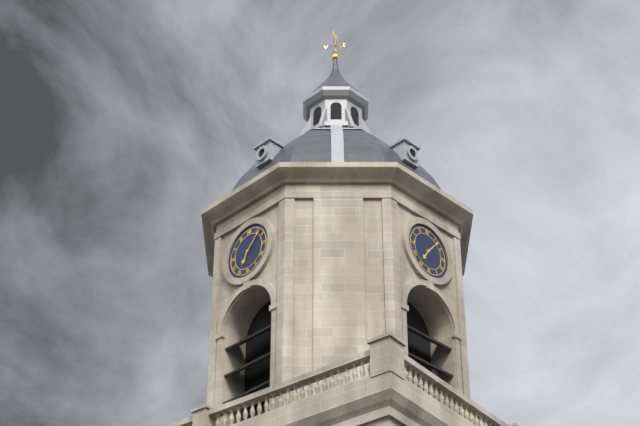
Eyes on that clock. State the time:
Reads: 7:07
